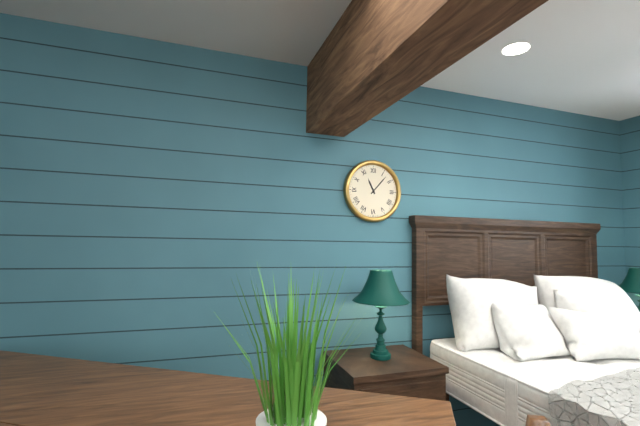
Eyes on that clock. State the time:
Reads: 11:07
